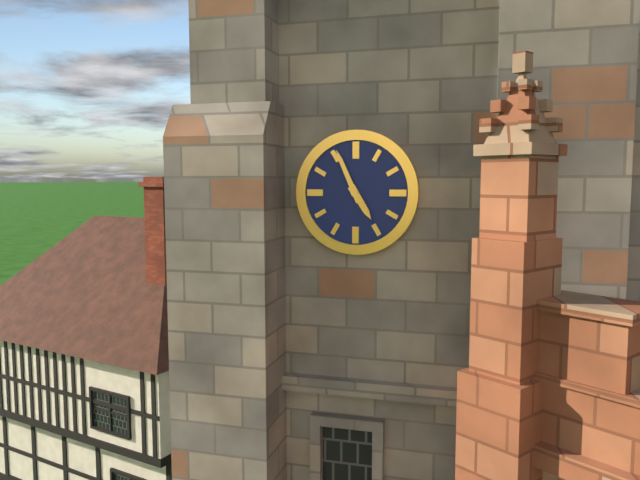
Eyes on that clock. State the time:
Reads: 4:56
